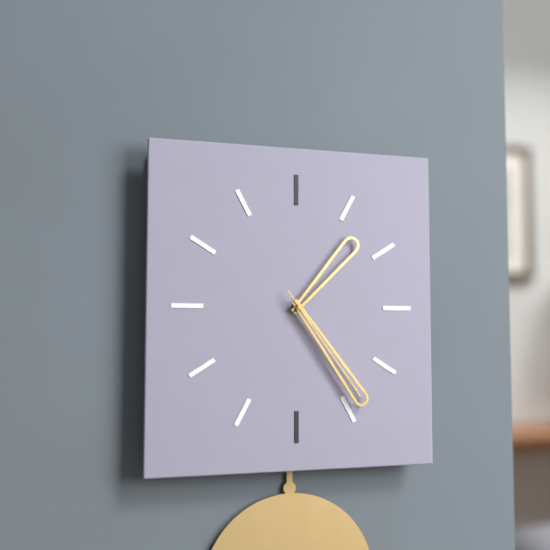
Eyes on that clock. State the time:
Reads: 1:24:24
